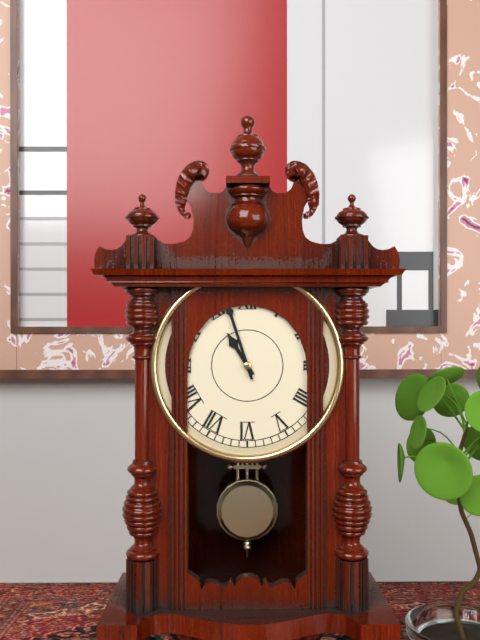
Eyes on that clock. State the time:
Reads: 10:57
